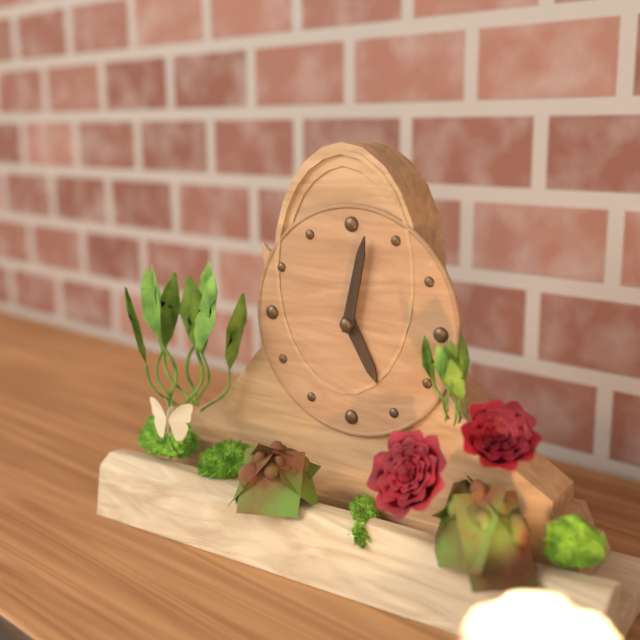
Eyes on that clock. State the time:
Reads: 5:02
